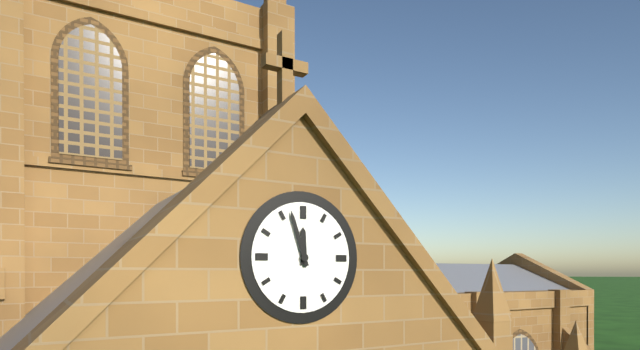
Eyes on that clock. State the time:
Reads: 11:57
